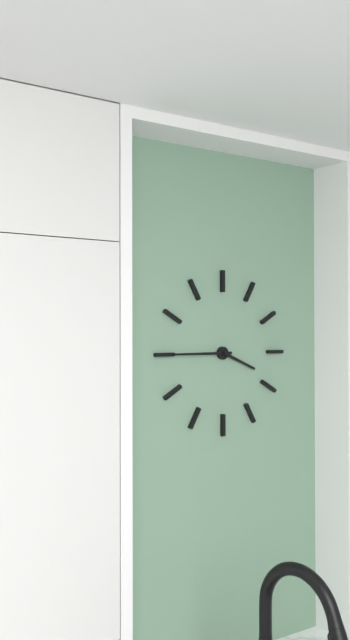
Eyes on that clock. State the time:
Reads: 3:45
